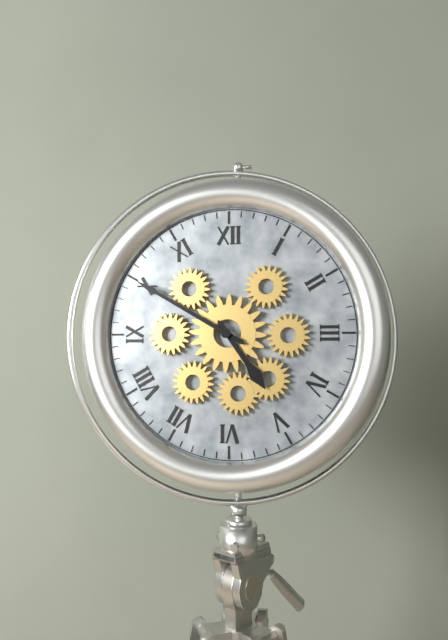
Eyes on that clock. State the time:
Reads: 4:50
